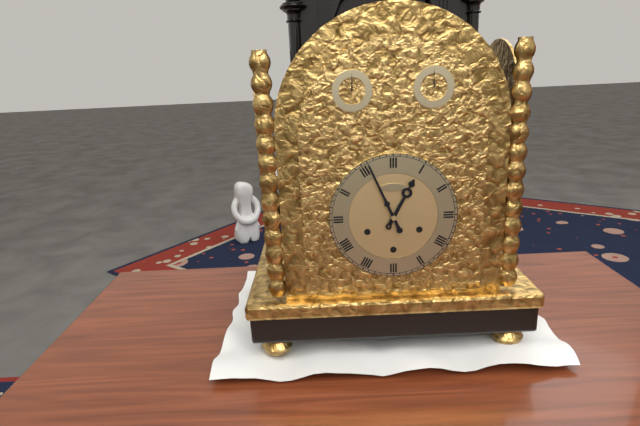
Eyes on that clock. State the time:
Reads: 12:56
